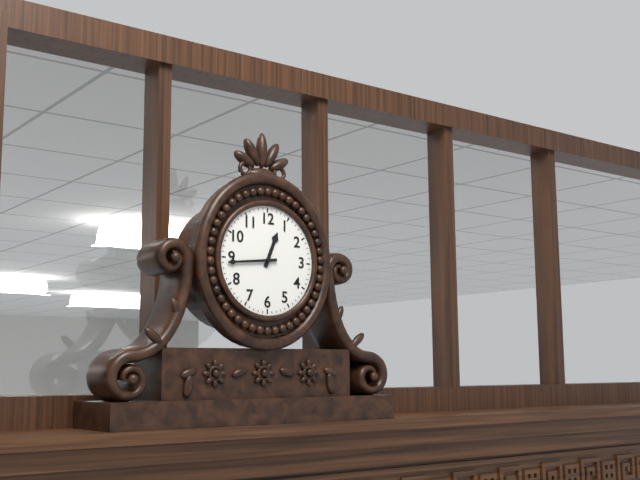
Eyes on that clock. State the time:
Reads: 12:44
